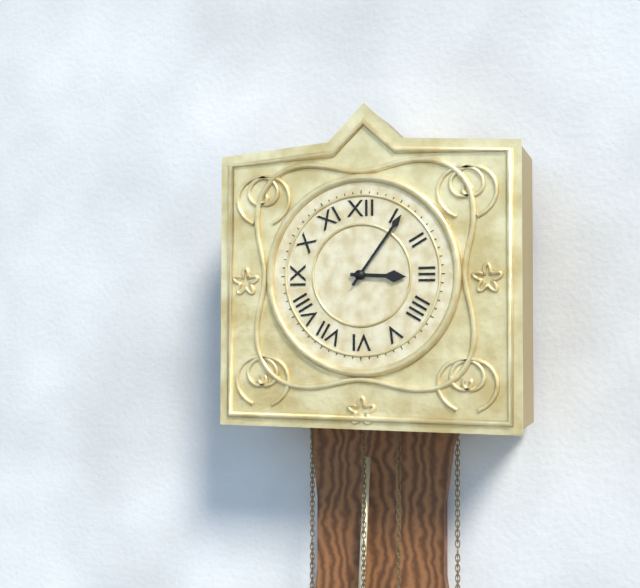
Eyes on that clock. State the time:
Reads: 3:06
